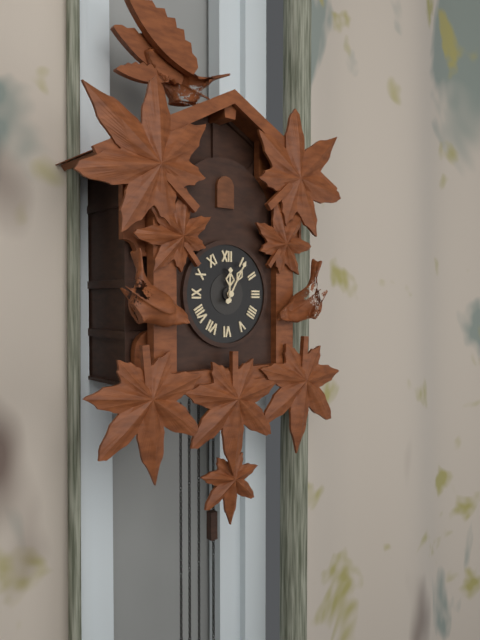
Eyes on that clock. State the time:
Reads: 12:05
